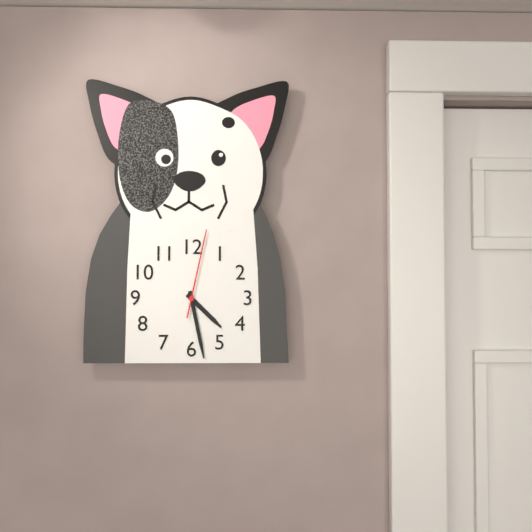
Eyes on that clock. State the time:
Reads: 4:28:02
